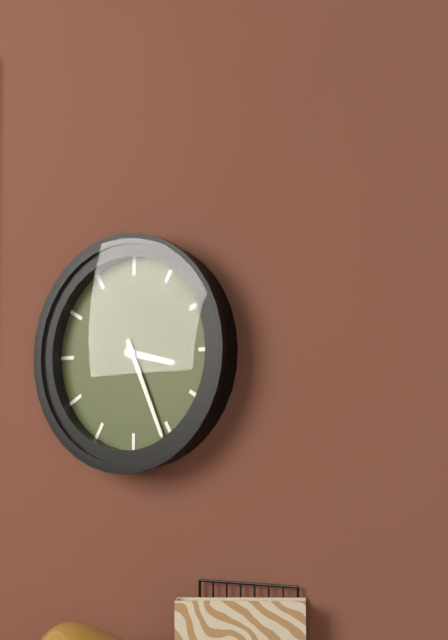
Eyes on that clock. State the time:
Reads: 3:26
